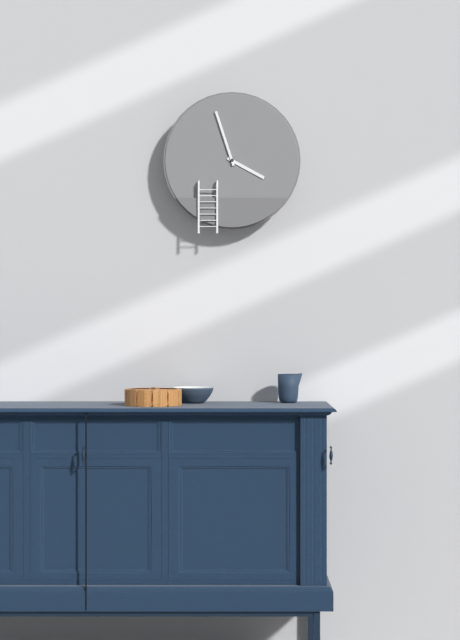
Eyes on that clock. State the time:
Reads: 3:57
